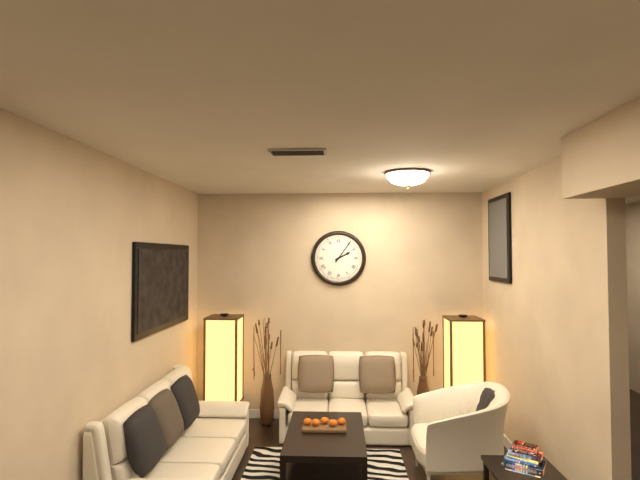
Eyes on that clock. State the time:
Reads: 2:06
